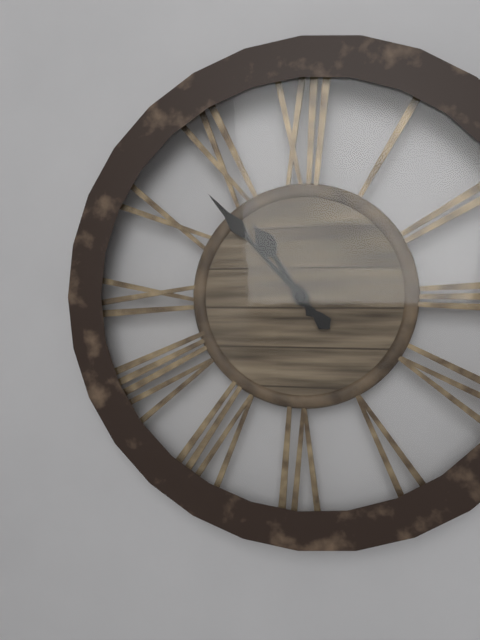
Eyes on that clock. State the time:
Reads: 10:53
